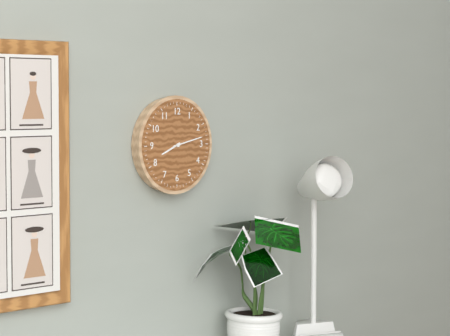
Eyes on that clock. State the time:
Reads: 8:13
